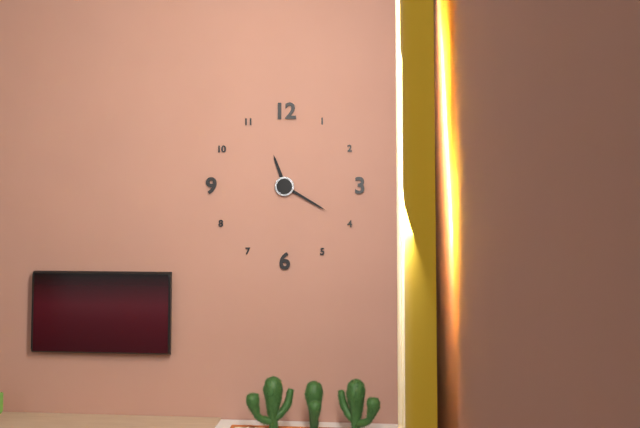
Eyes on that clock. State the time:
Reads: 11:20
